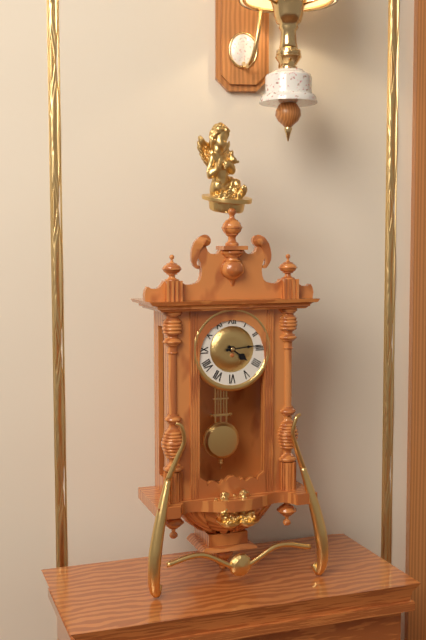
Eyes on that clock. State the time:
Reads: 4:14
